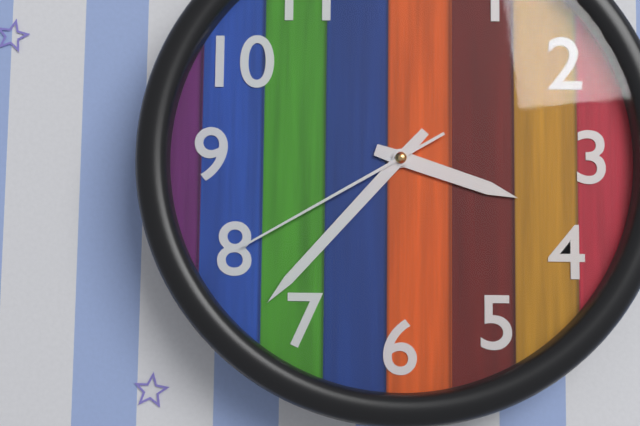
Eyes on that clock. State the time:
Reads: 3:37:40
